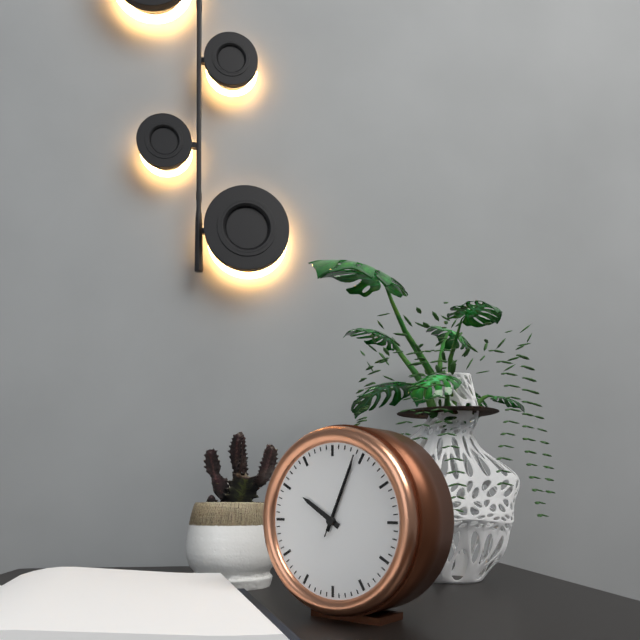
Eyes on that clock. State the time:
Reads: 10:04:04
